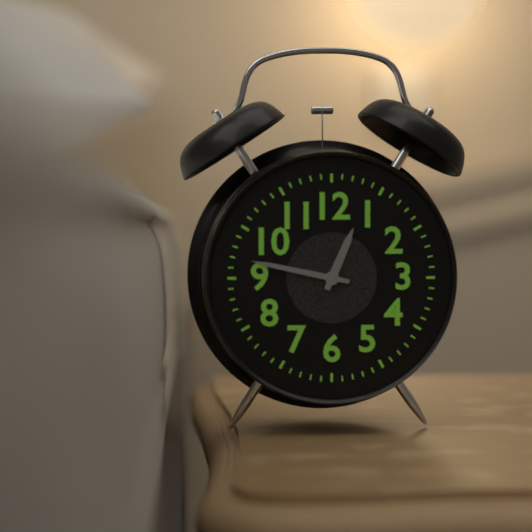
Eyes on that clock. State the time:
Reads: 12:47
